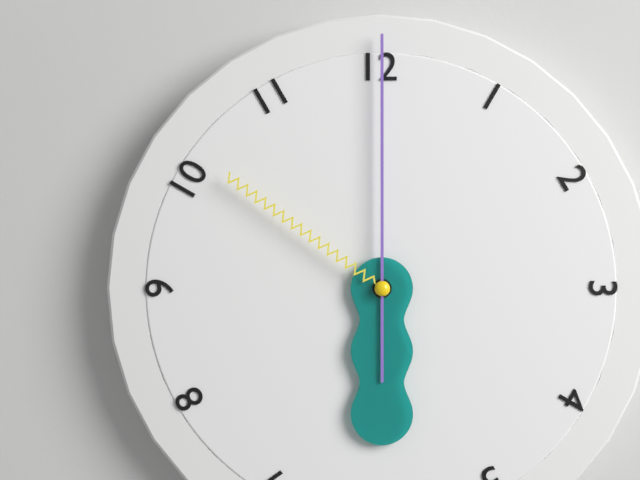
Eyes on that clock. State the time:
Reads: 6:00:51
